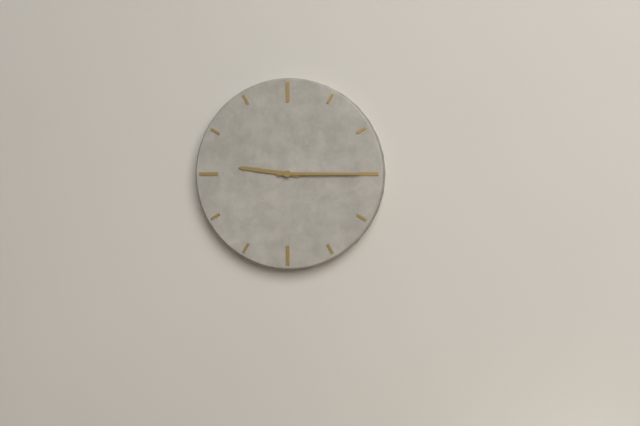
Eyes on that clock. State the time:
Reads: 9:15
